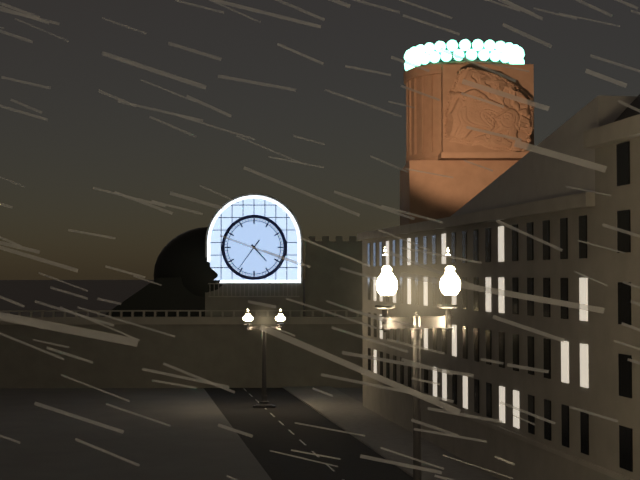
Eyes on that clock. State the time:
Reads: 4:36
